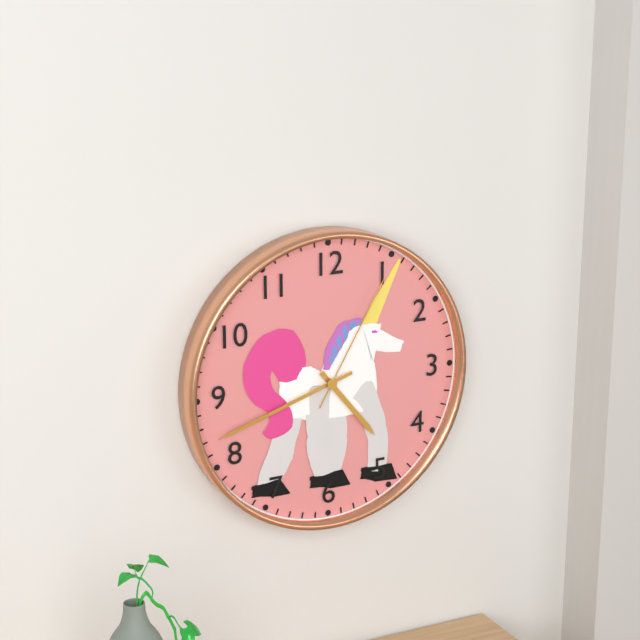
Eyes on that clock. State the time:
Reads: 4:42:05
